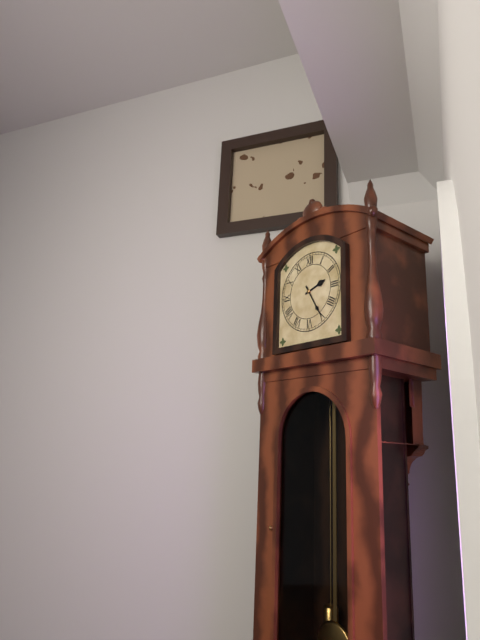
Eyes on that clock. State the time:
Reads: 2:25
